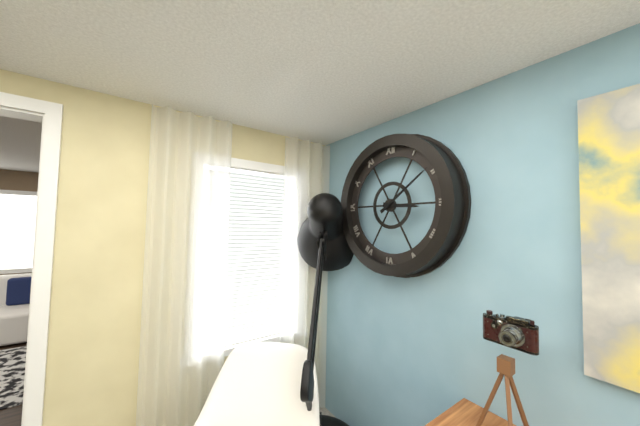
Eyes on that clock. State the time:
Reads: 3:09
